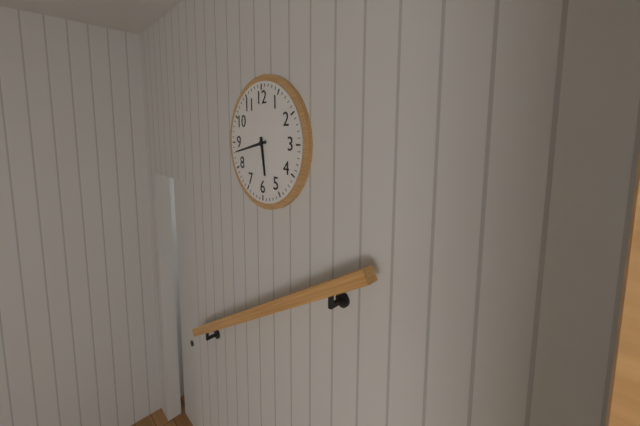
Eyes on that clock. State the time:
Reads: 5:43
